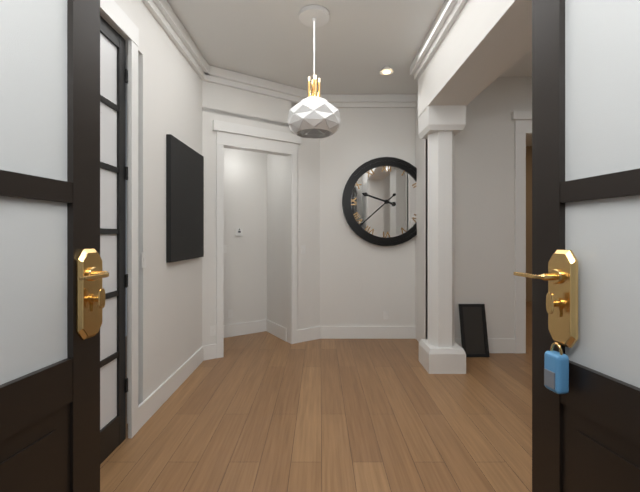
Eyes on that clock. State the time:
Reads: 9:38
